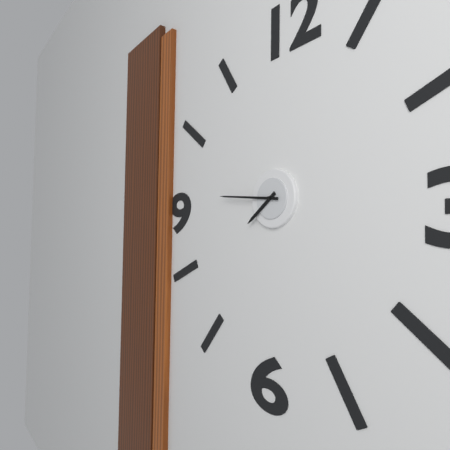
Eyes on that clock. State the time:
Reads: 7:46
